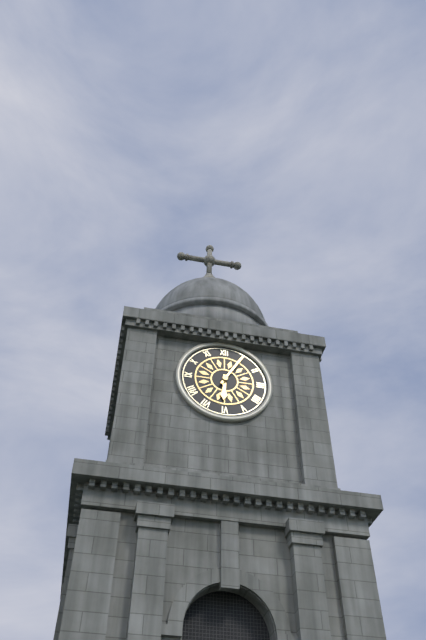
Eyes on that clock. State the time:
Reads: 6:05
